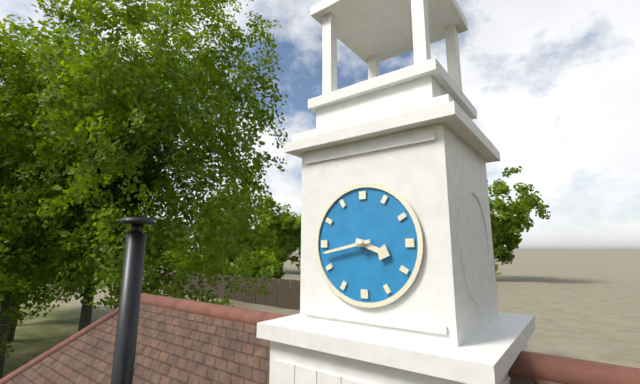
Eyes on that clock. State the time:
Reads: 3:43
